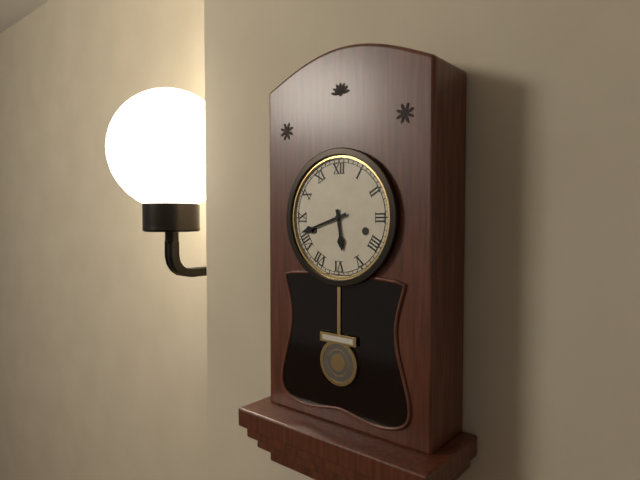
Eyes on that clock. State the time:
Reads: 5:42
